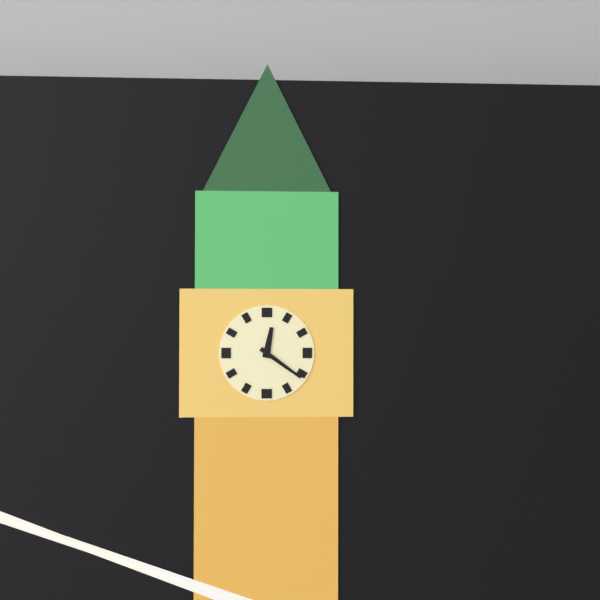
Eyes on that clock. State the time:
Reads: 12:21
